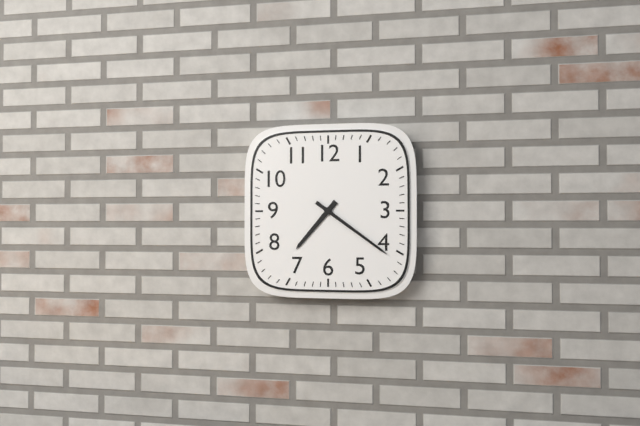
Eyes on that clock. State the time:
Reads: 7:21
